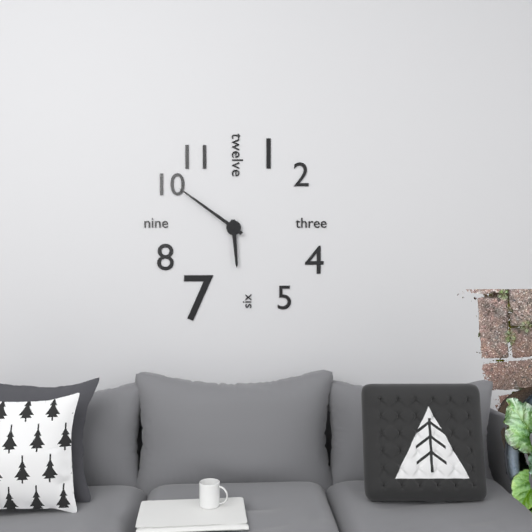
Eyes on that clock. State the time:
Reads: 5:51
